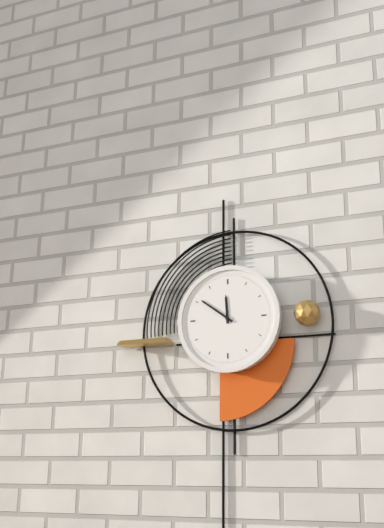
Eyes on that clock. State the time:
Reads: 11:51
